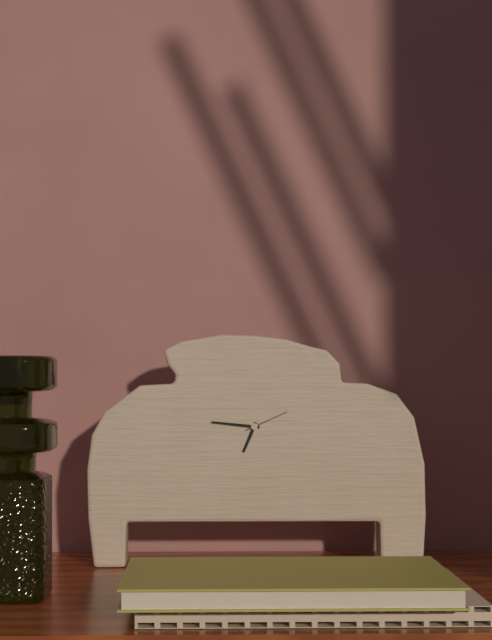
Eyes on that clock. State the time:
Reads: 6:46
